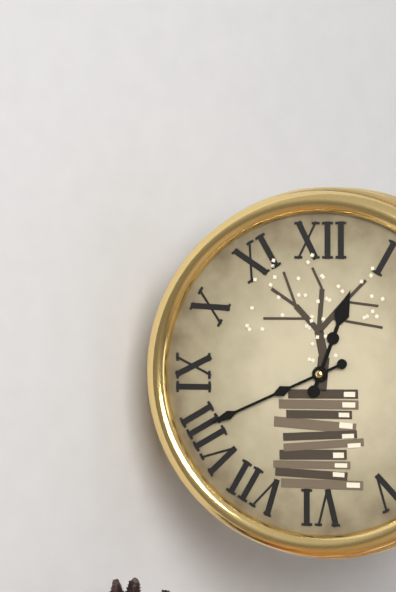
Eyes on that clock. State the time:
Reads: 12:41
